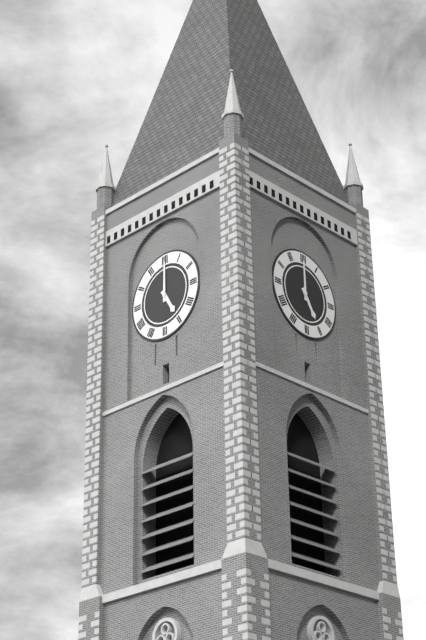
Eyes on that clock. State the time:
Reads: 5:00
